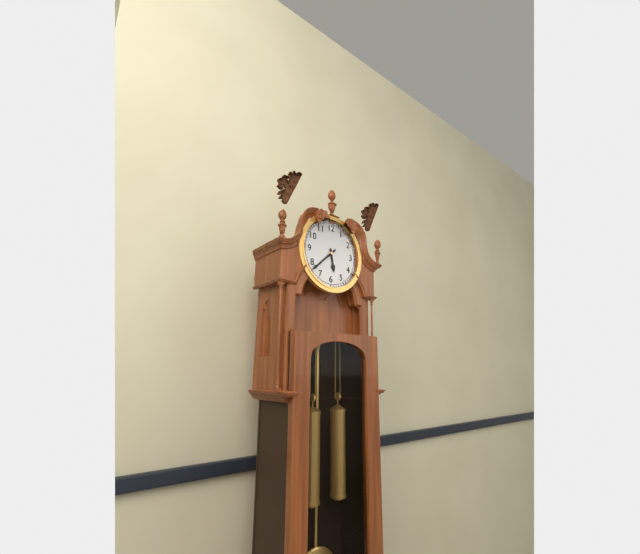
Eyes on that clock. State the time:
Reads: 5:38
